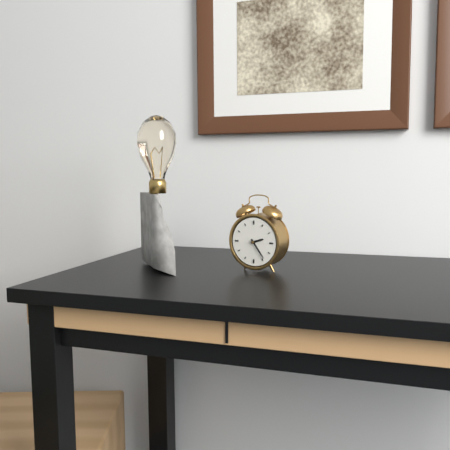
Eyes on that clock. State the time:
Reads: 2:24
